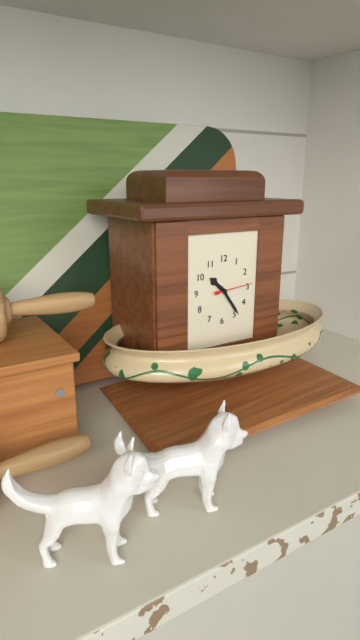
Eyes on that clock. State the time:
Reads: 10:24:14
